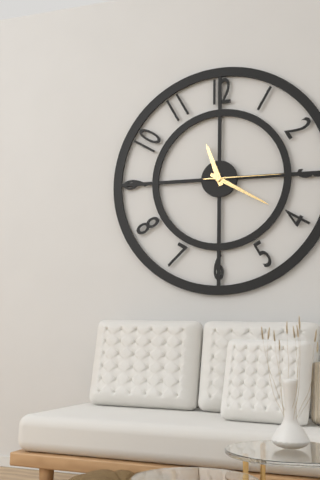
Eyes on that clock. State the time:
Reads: 11:20:15
